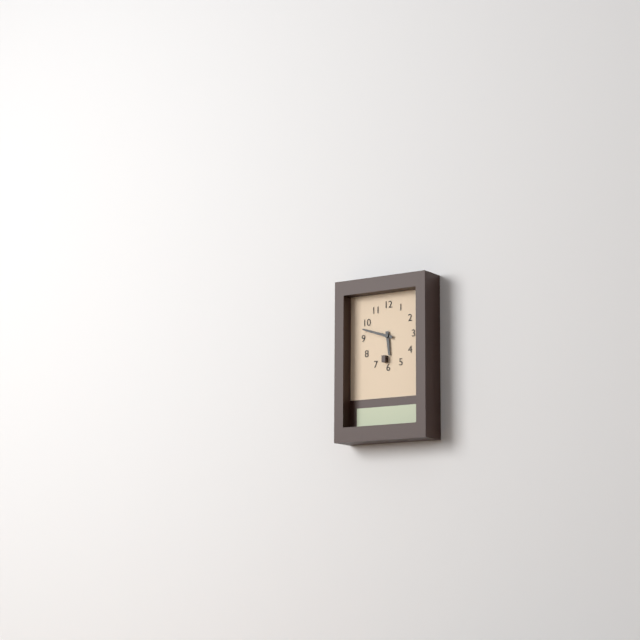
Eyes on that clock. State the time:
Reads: 5:48
